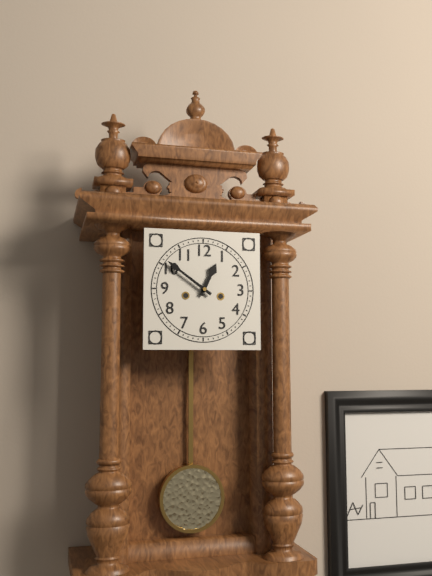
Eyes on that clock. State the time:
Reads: 12:51
